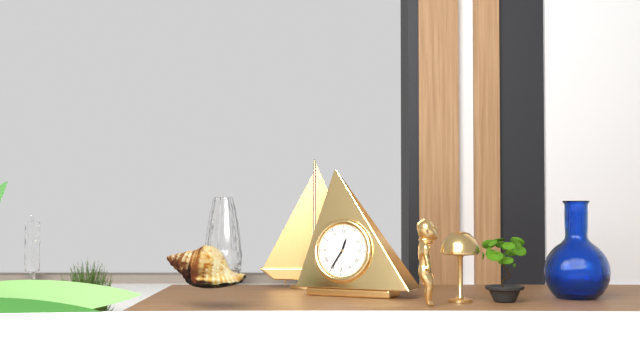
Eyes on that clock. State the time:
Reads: 12:35
